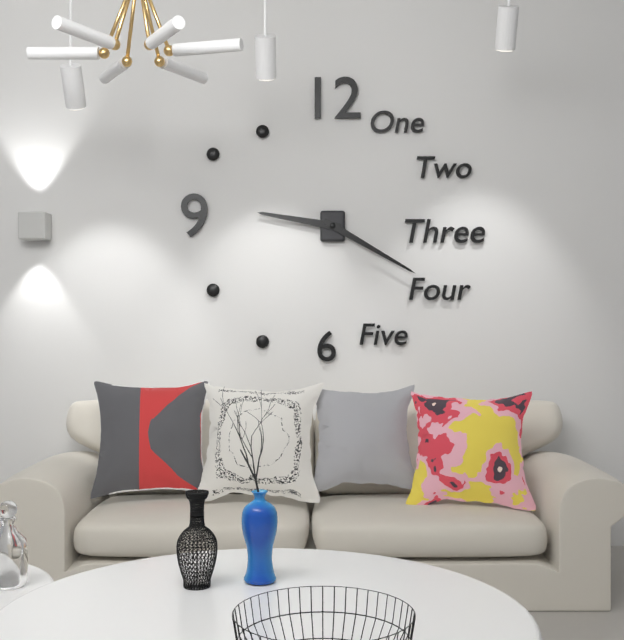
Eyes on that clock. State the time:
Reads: 9:20
